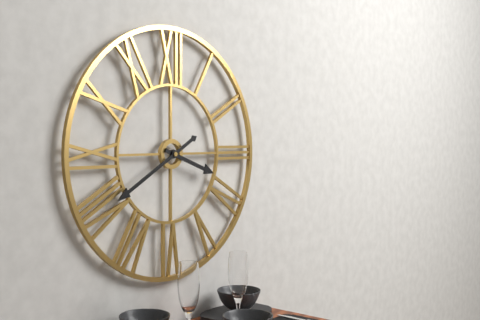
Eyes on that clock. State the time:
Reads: 3:40
